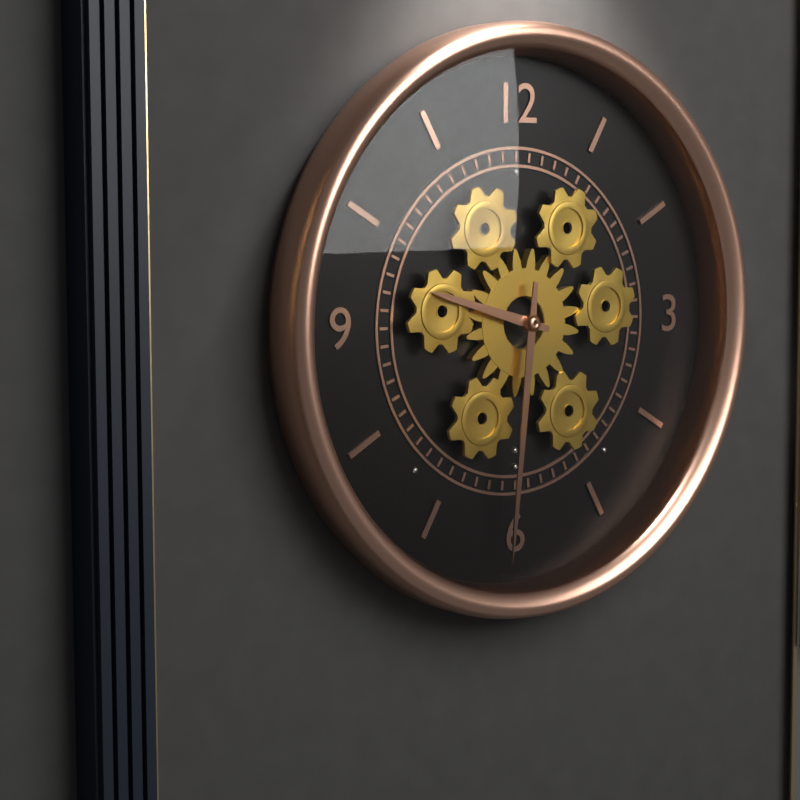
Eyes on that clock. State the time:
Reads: 9:31
